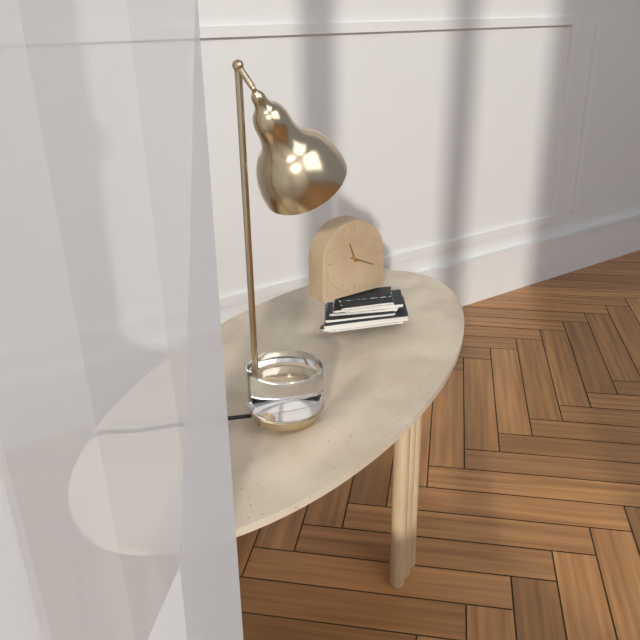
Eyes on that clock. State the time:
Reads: 11:19
